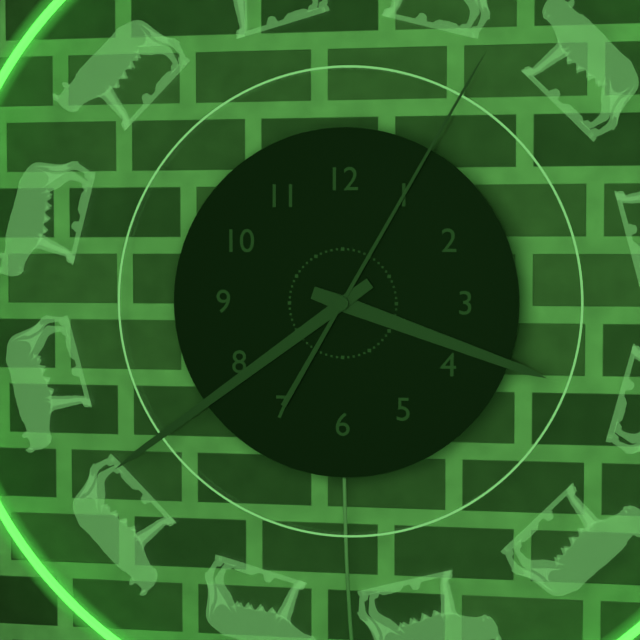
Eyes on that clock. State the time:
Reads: 3:39:05
